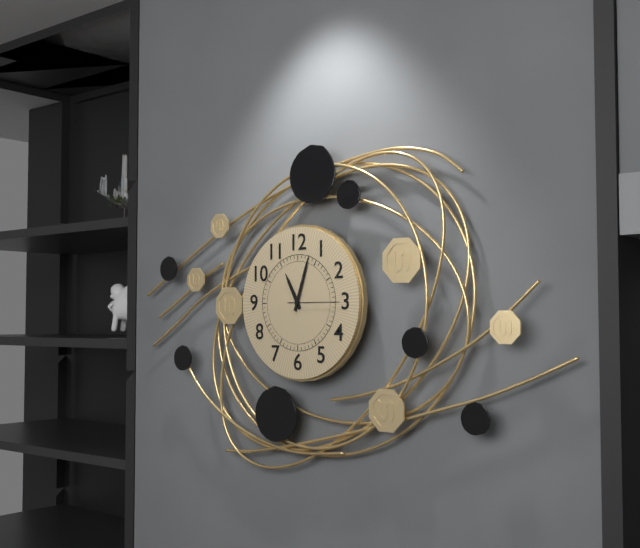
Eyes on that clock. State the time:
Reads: 11:03:15
